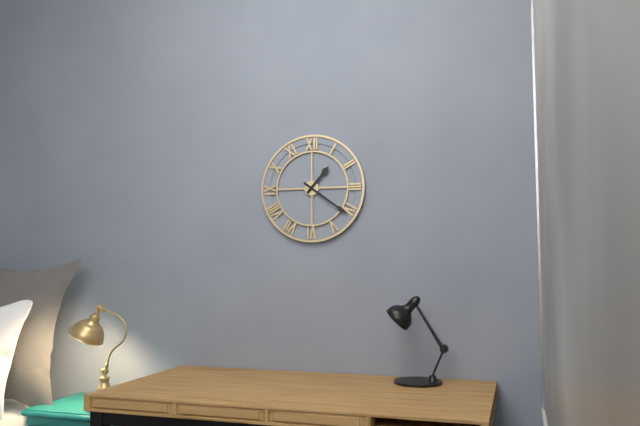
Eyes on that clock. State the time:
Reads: 1:21
